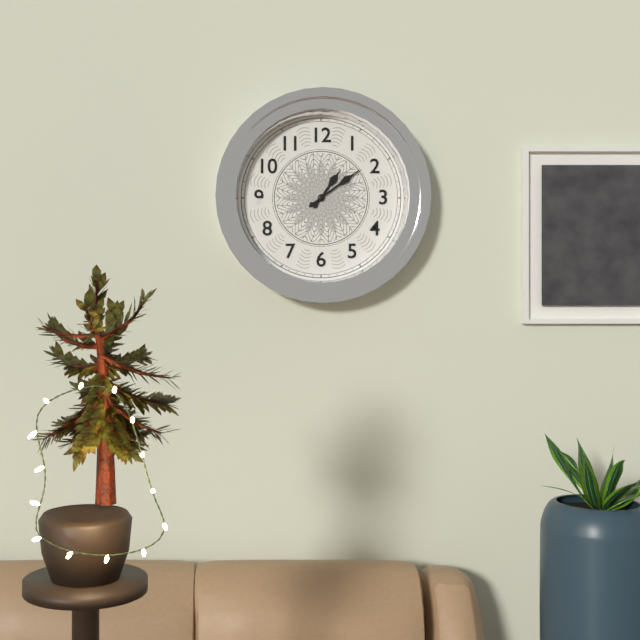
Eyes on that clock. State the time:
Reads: 1:09
